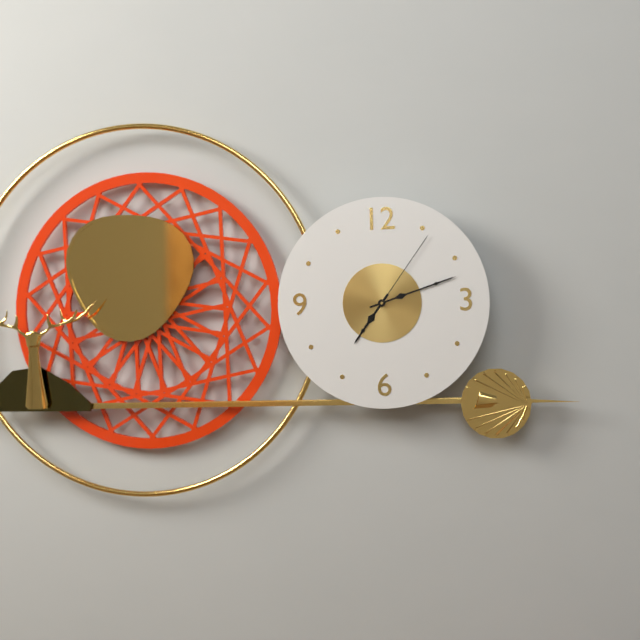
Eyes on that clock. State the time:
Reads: 7:12:06
